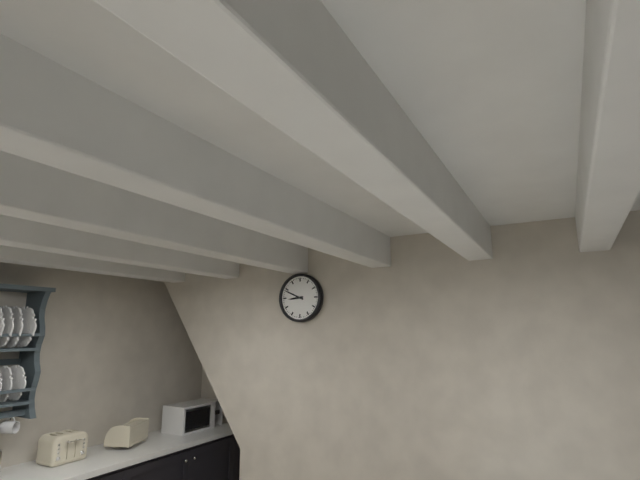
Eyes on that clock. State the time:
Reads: 8:49
